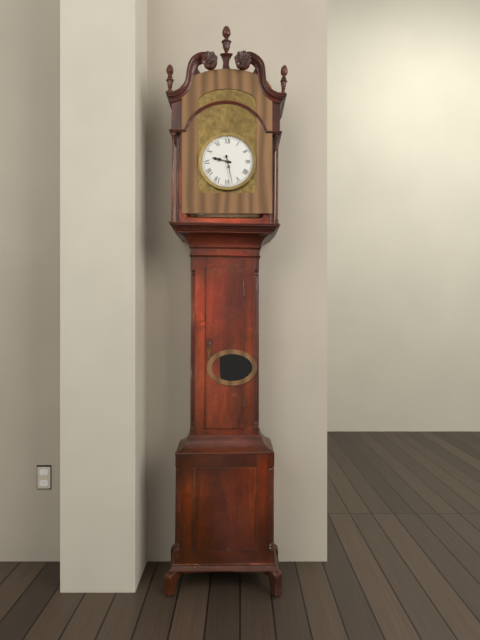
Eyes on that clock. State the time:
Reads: 9:28
